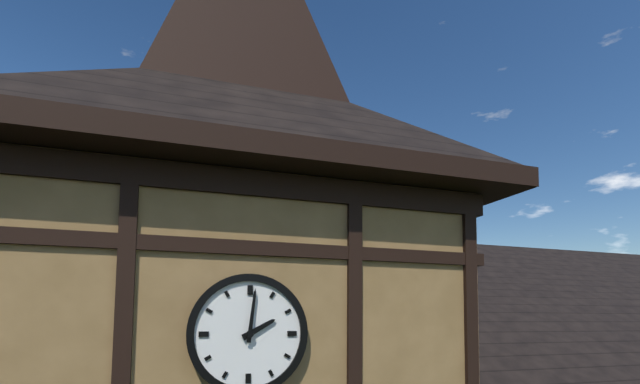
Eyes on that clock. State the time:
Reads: 2:01
